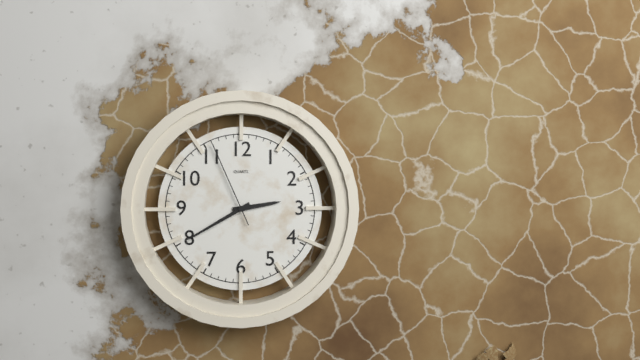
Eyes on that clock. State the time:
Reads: 2:40:56
